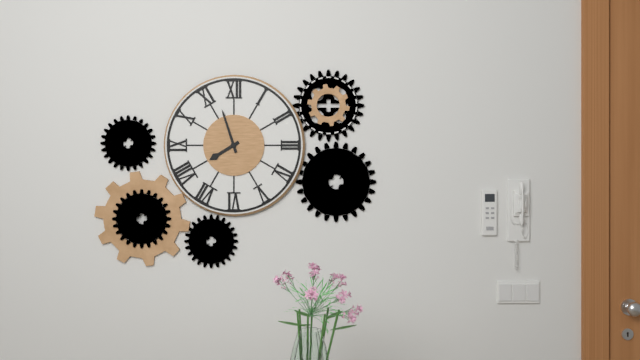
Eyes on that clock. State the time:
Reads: 7:57
